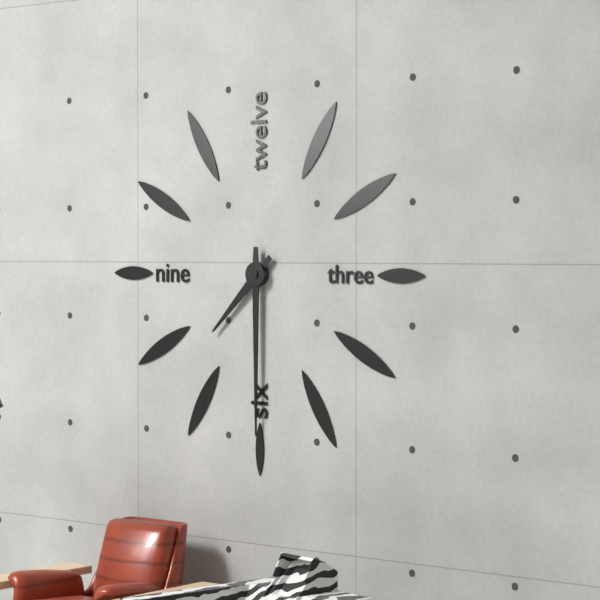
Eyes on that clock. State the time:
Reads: 7:30
